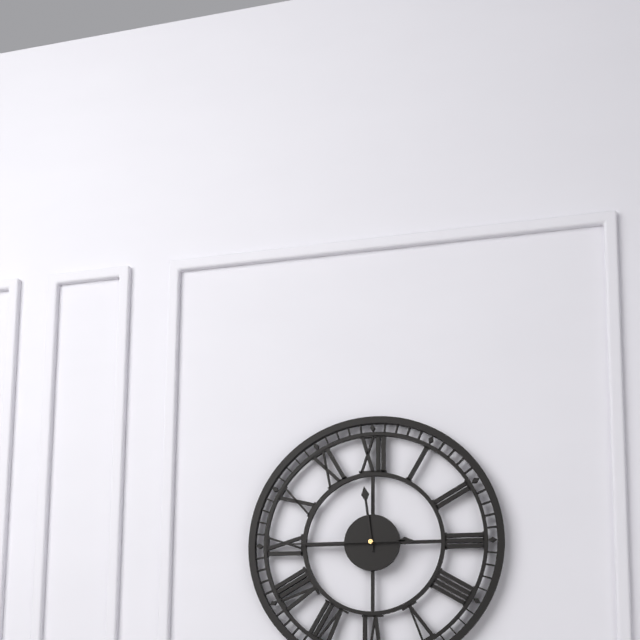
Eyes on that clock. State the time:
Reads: 11:45
